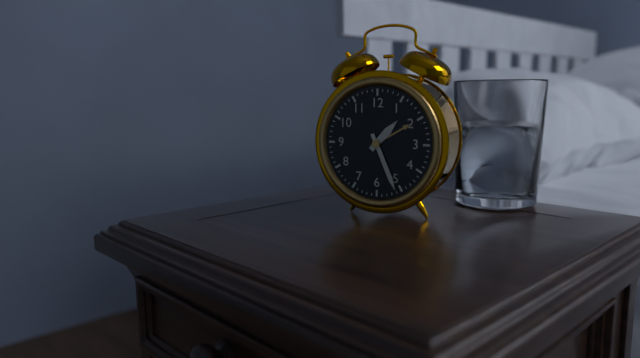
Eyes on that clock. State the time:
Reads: 1:26
